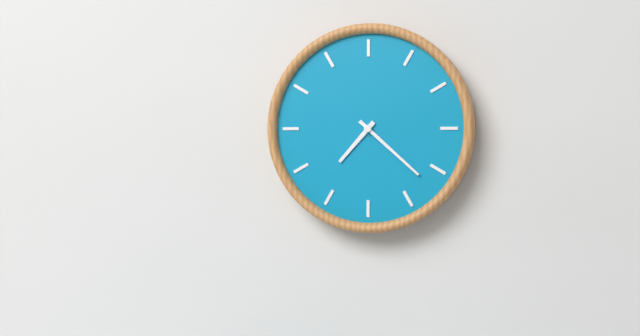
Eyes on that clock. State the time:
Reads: 7:22
